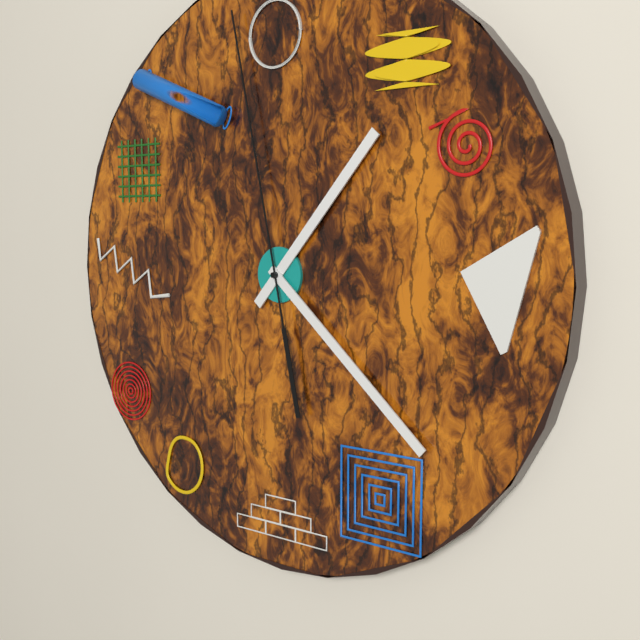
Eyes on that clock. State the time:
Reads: 1:22:58
